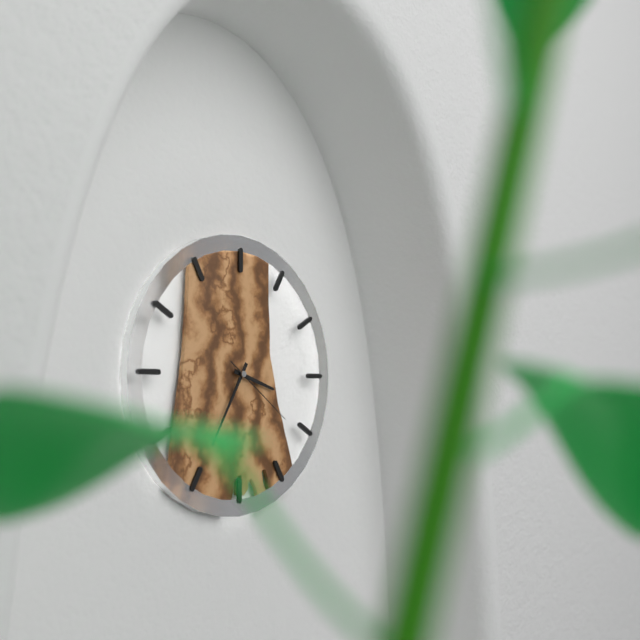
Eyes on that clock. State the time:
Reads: 3:35:21
